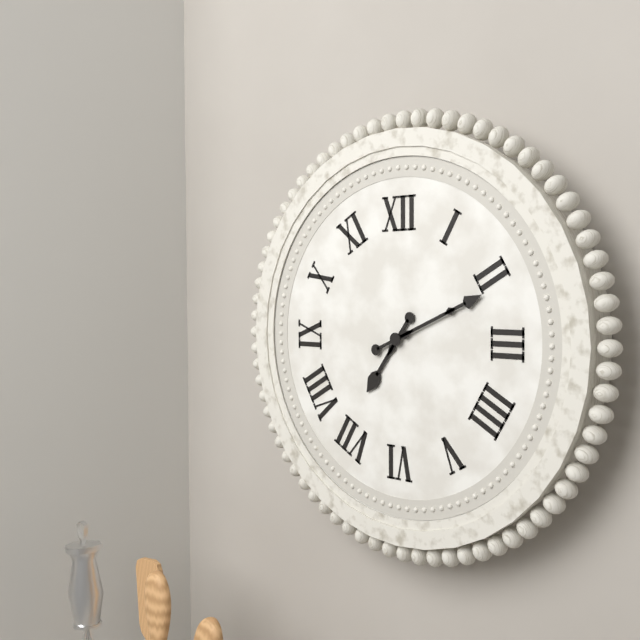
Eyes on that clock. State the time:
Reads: 7:11
